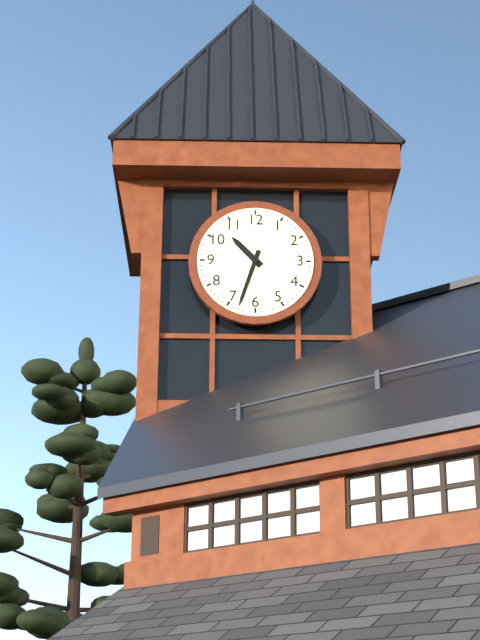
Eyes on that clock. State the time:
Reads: 10:33
